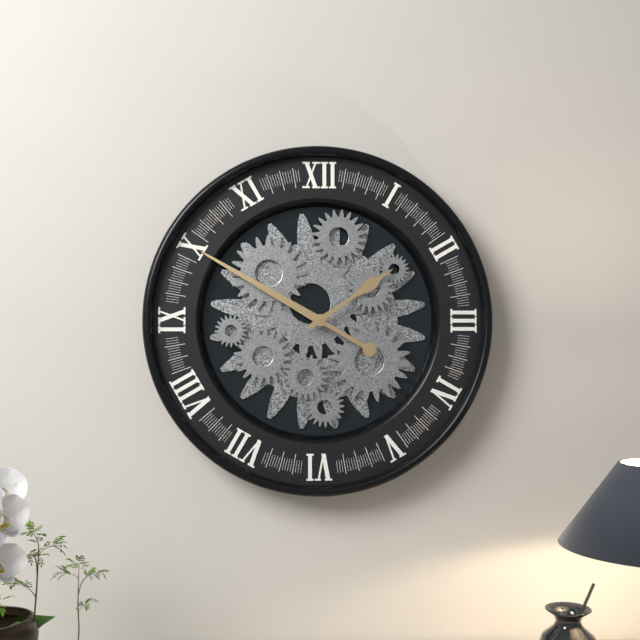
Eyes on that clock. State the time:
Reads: 1:50
